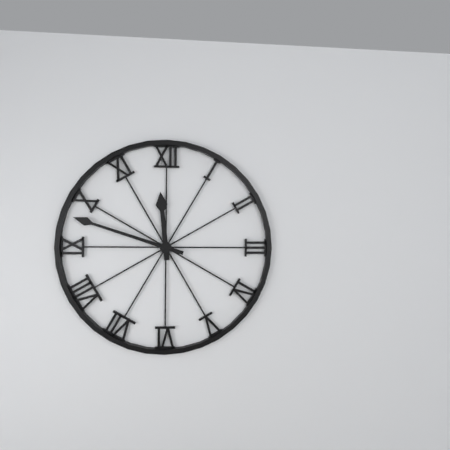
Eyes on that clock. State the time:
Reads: 11:48
